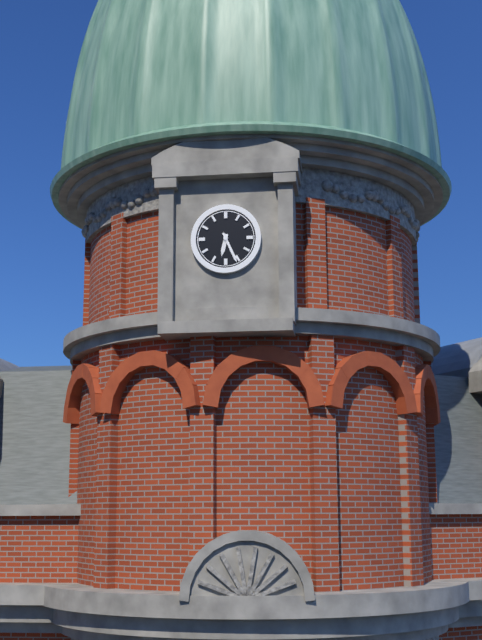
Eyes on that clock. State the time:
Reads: 6:26
